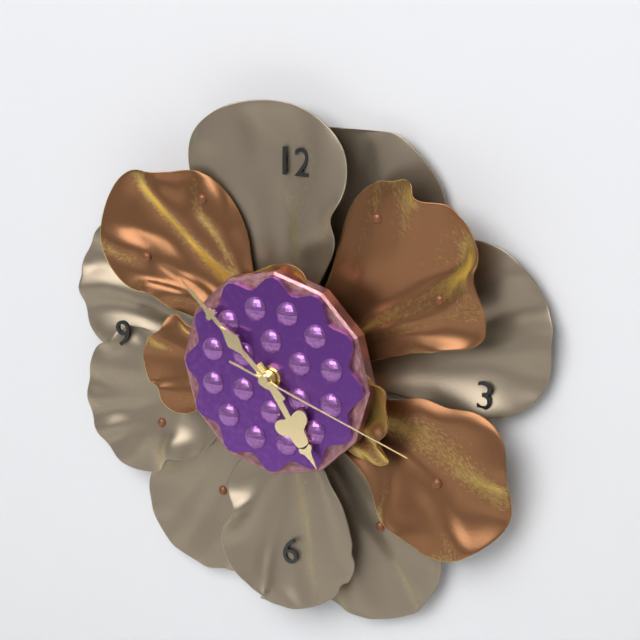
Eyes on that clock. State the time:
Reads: 4:52:18
